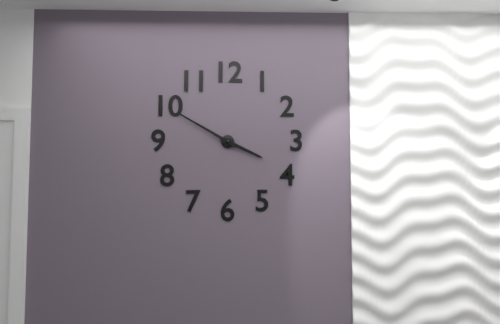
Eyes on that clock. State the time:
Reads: 3:50
